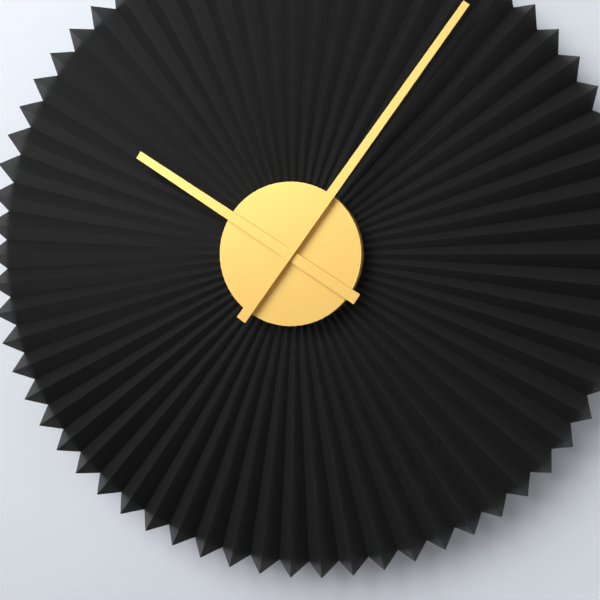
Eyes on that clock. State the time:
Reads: 10:06
